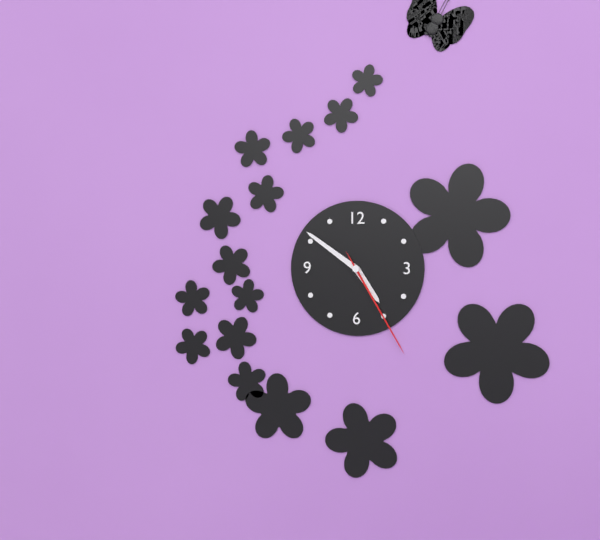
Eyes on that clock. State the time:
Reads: 4:51:25
